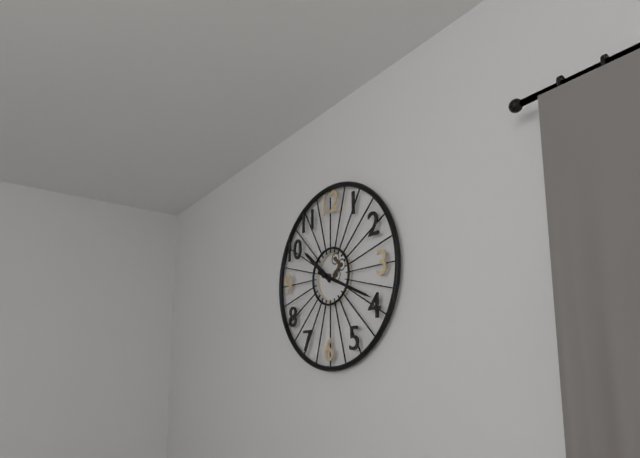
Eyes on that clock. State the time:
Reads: 10:19
